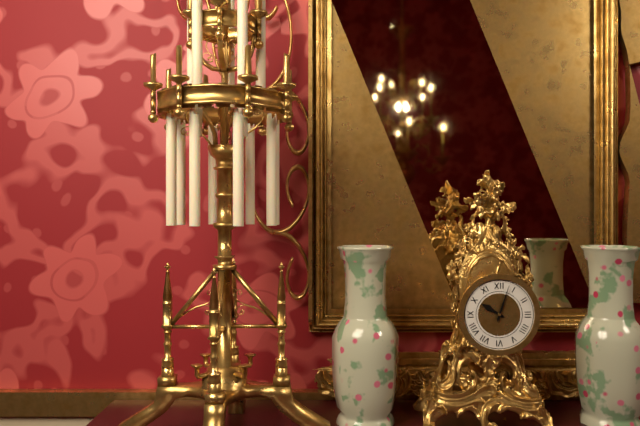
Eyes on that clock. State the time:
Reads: 10:03
